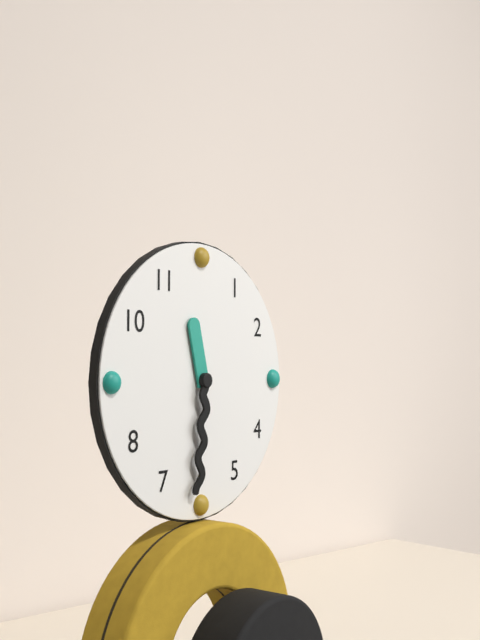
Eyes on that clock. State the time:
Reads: 11:31
